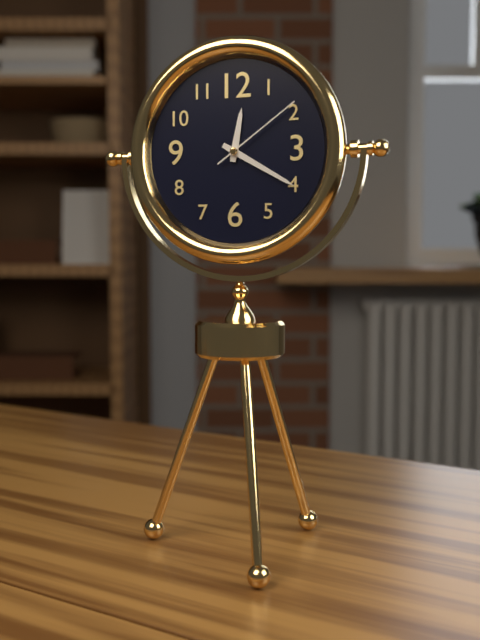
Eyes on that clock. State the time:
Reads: 12:20:09
